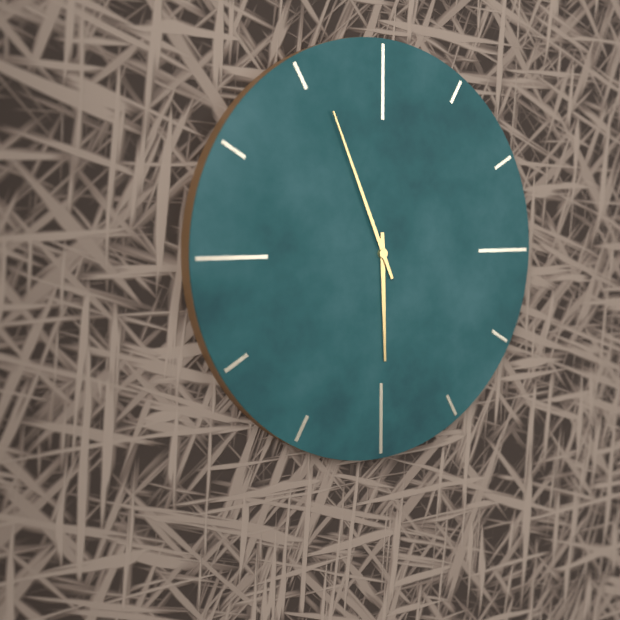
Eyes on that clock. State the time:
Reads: 5:56
